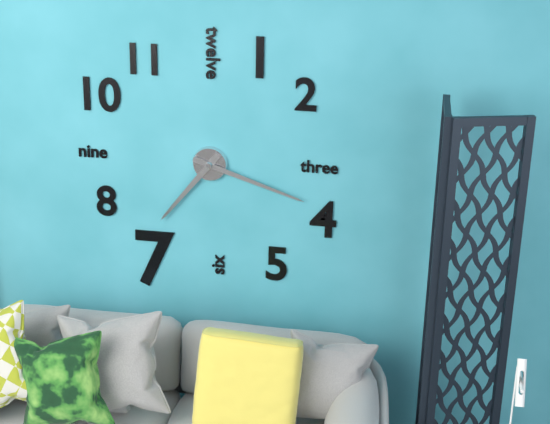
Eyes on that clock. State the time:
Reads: 7:18
